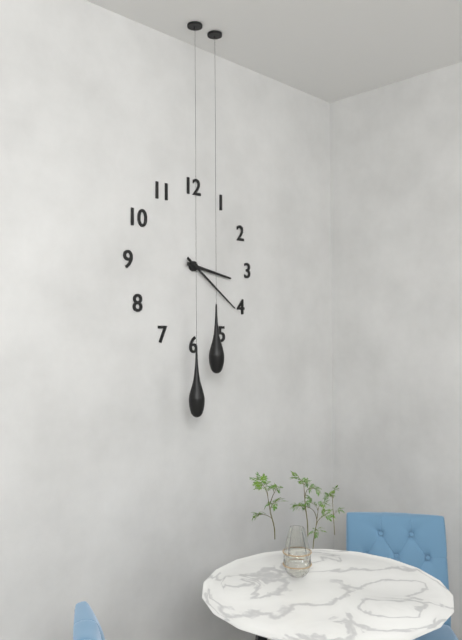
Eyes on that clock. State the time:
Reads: 3:21
